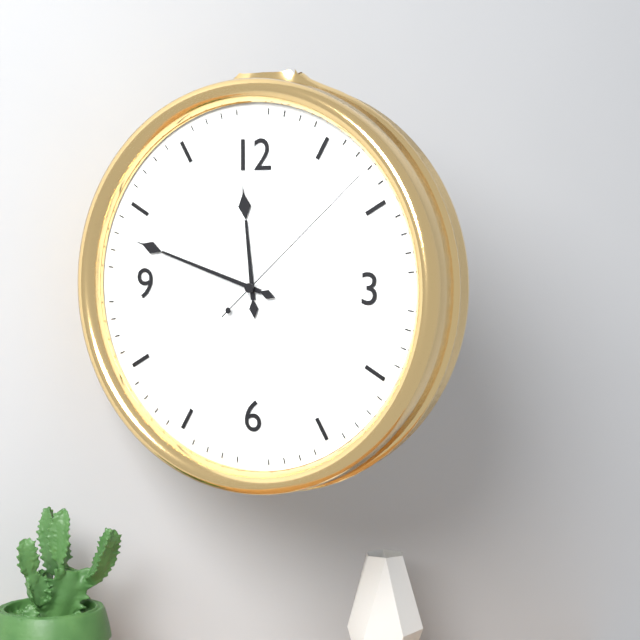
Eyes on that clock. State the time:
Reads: 11:48:08
